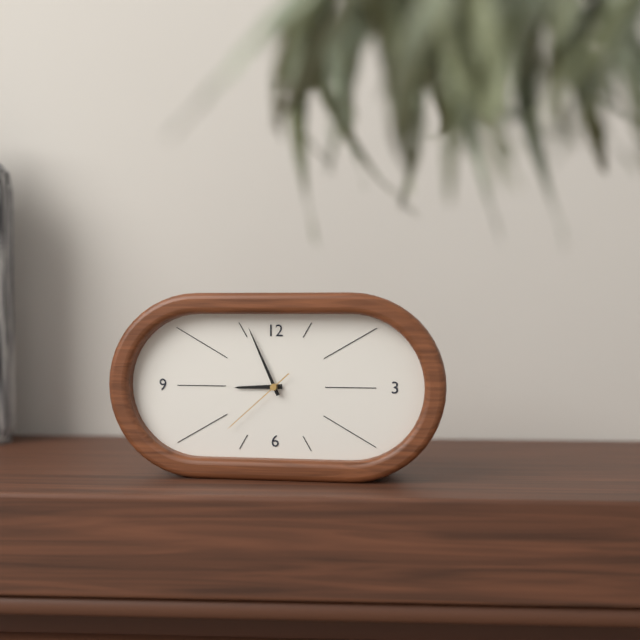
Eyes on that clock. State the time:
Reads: 8:56:38
